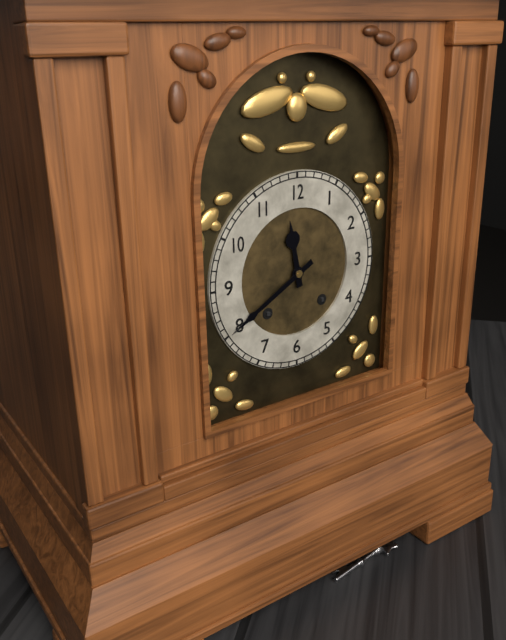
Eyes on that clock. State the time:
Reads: 11:40
